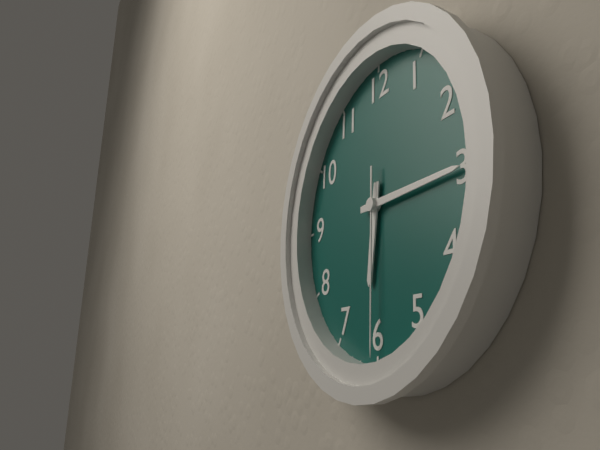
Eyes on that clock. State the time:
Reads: 6:15:30
